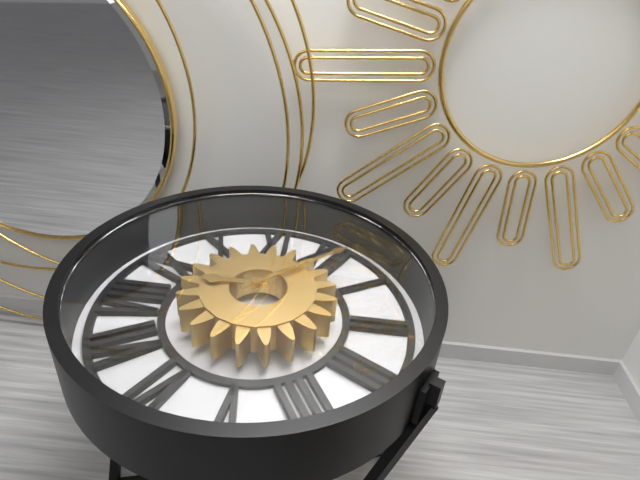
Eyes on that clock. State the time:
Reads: 8:03
